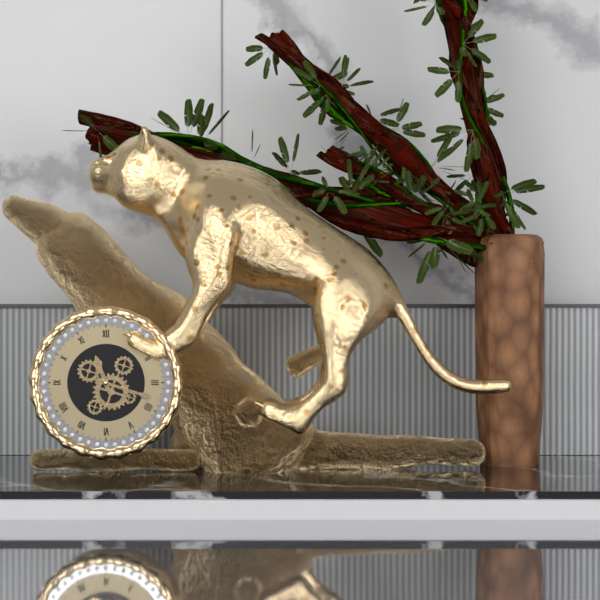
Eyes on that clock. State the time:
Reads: 11:18
